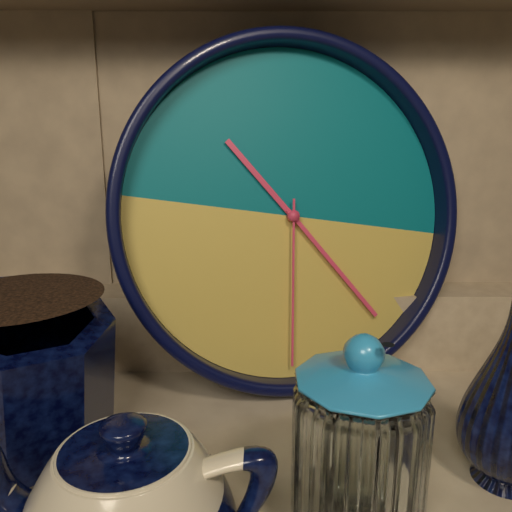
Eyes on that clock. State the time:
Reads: 10:22:29
